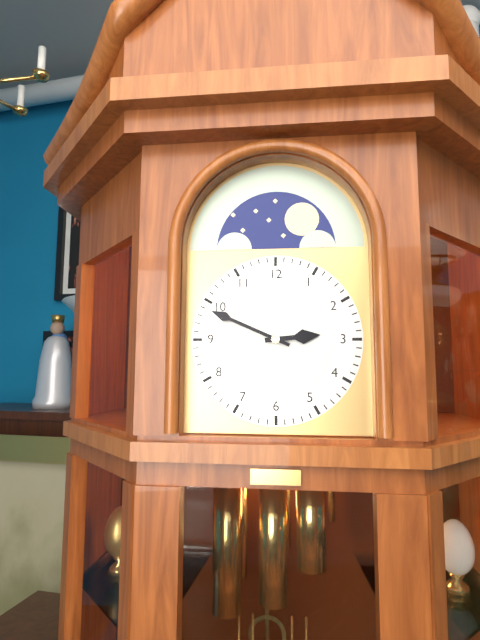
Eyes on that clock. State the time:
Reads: 2:49
